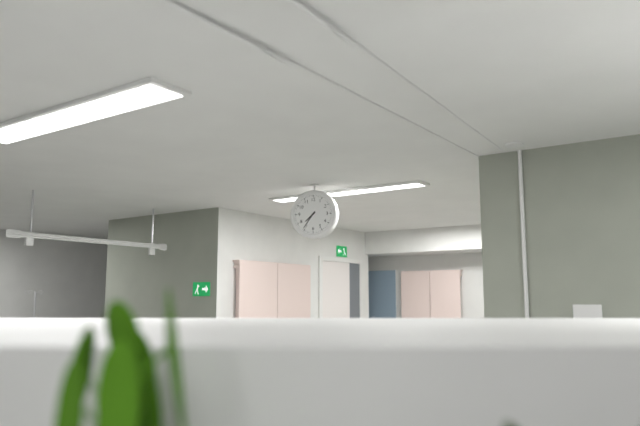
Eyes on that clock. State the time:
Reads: 7:36
